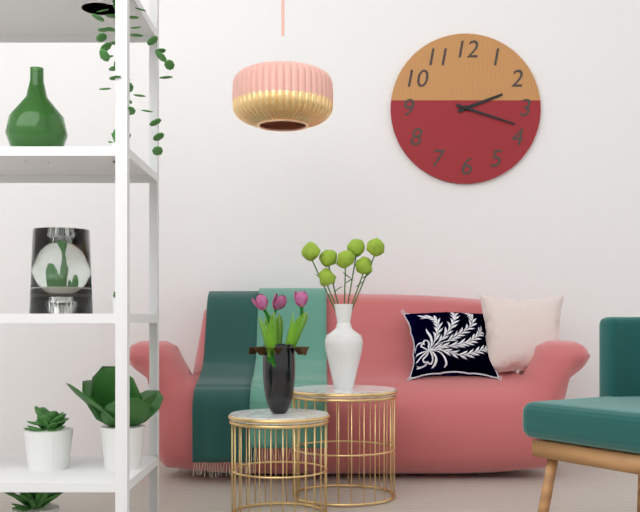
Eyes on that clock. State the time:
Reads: 2:18
